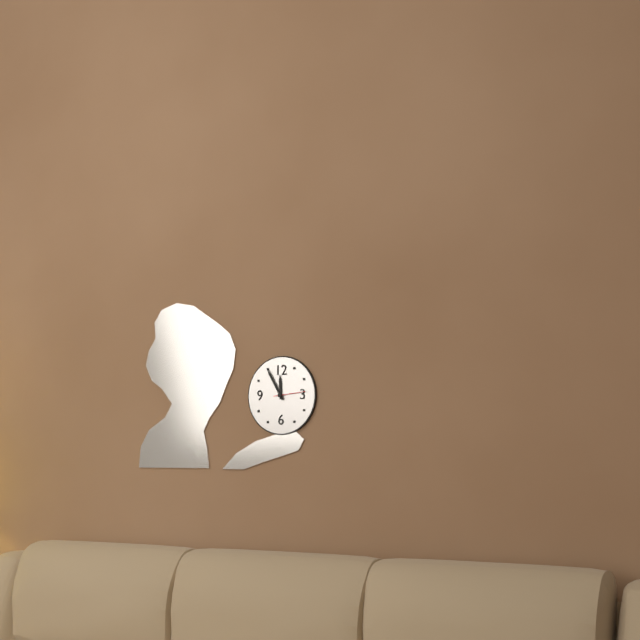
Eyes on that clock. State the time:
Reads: 11:55
